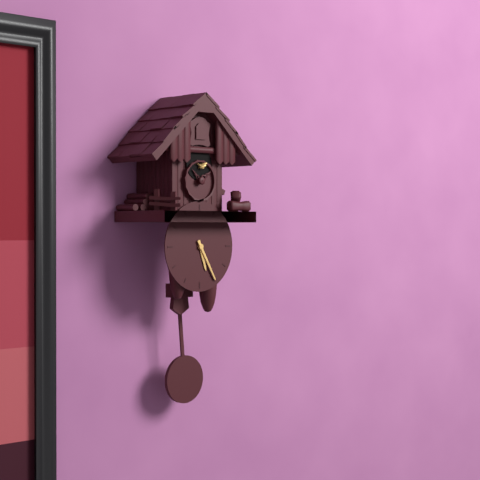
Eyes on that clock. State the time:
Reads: 5:25
